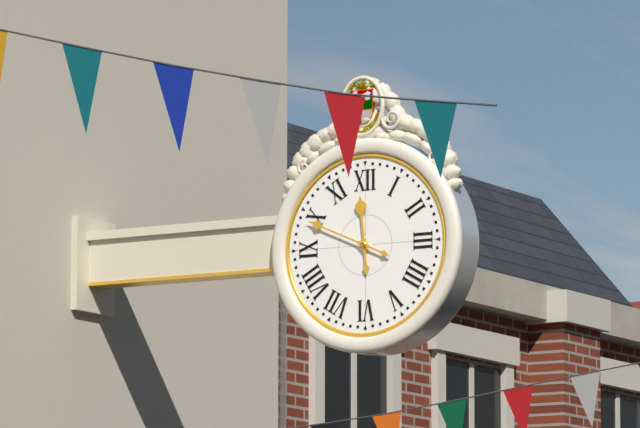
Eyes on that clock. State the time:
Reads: 11:49
